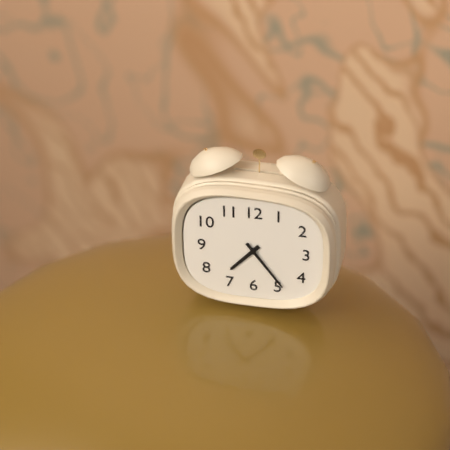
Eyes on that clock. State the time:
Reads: 7:24
